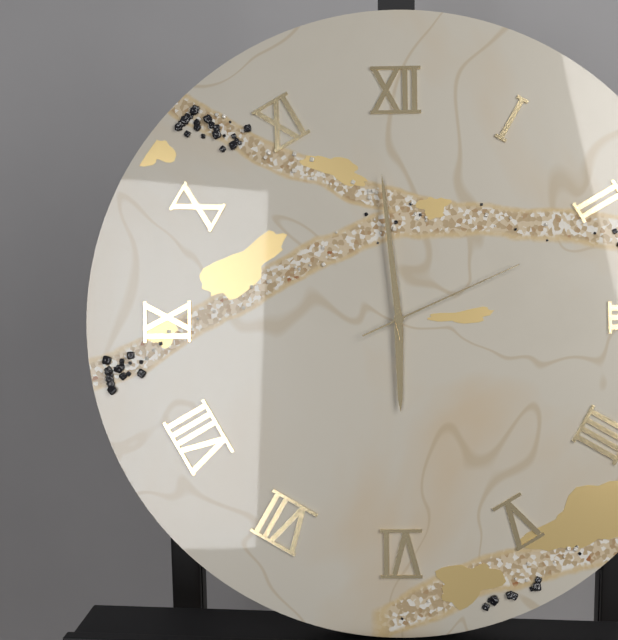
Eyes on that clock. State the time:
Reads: 5:59:11
